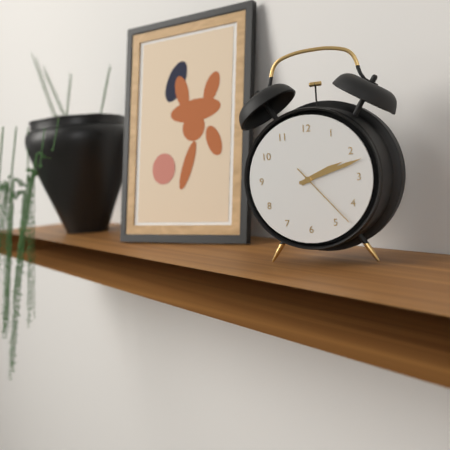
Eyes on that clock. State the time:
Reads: 2:12:23
